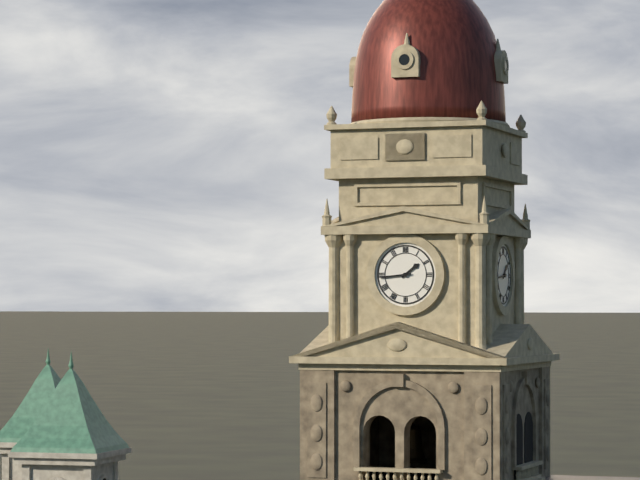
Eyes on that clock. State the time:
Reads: 1:44
